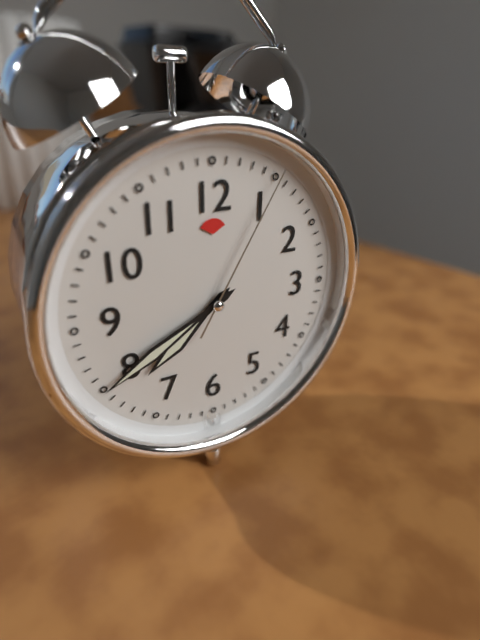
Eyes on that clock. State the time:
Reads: 7:40:05
